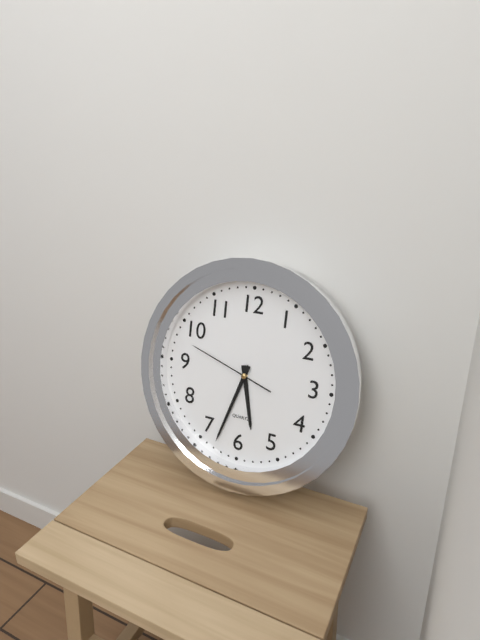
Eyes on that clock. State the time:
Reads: 5:33:48
